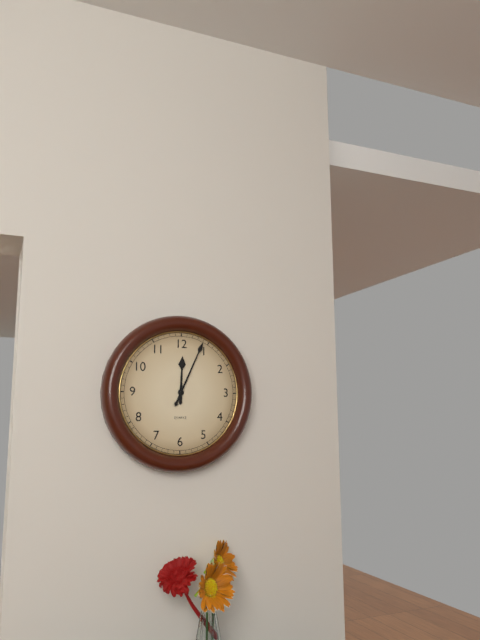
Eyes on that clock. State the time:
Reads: 12:04
